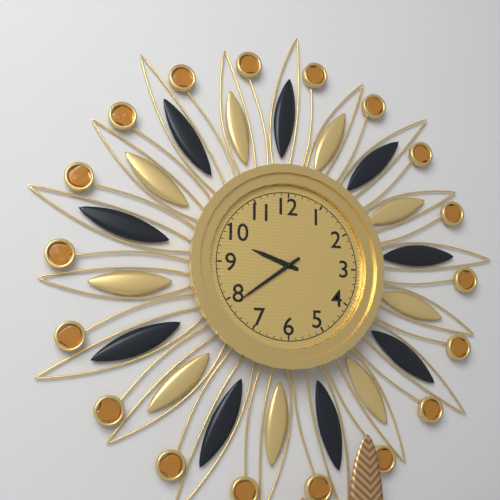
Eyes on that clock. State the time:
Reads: 9:39
